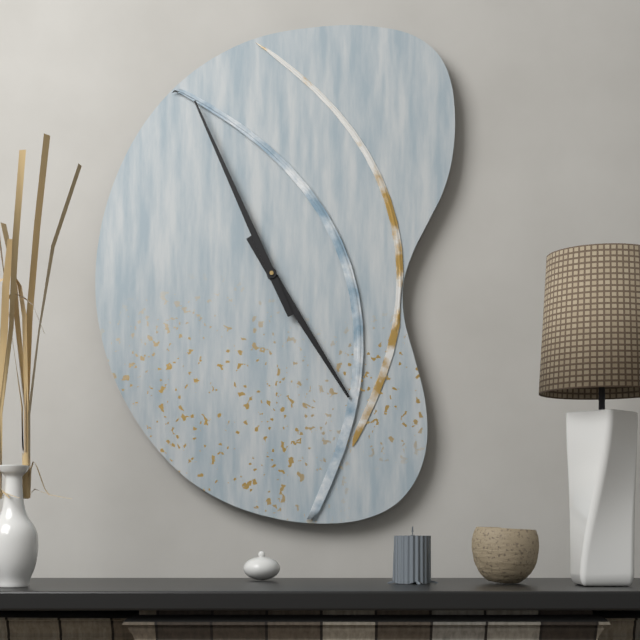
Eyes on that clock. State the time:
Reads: 4:56
